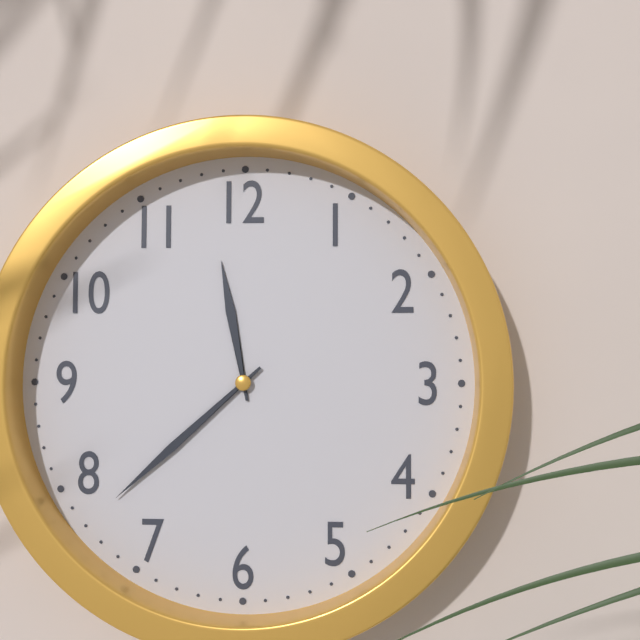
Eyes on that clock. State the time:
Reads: 11:38
